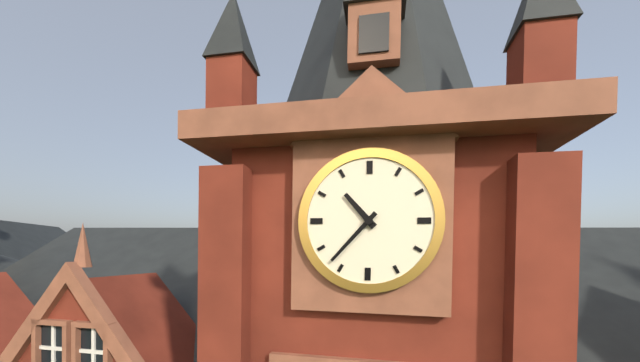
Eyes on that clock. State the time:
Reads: 10:37
